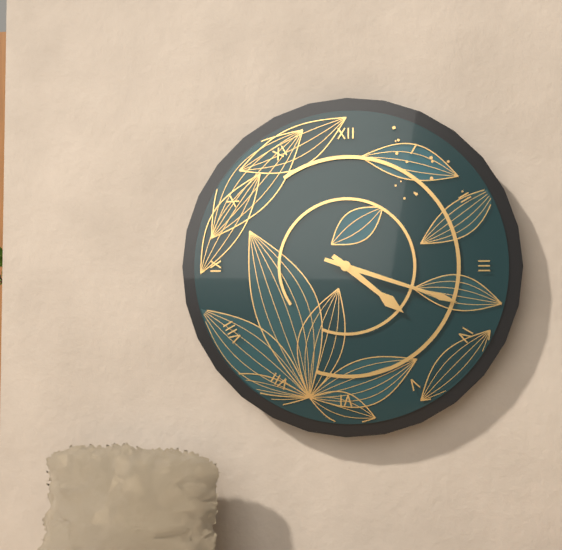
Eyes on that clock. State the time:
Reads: 4:18
